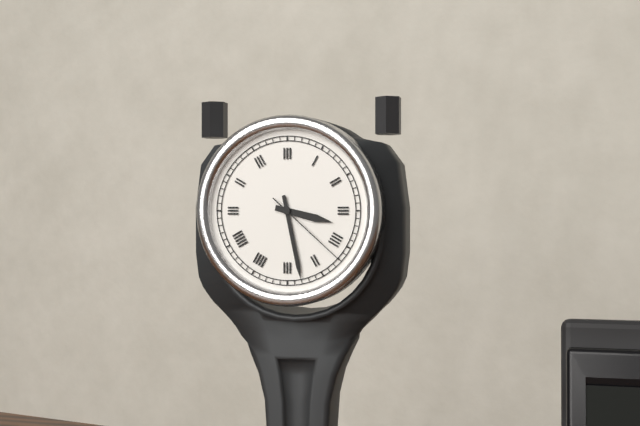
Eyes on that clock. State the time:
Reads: 3:28:22
